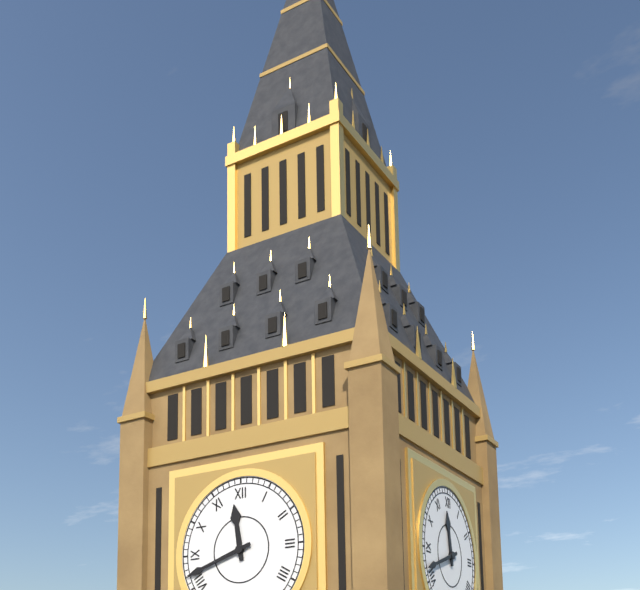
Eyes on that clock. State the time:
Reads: 11:42
